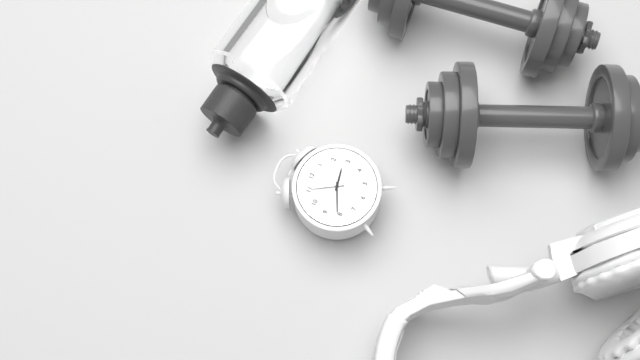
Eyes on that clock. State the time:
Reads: 2:41
